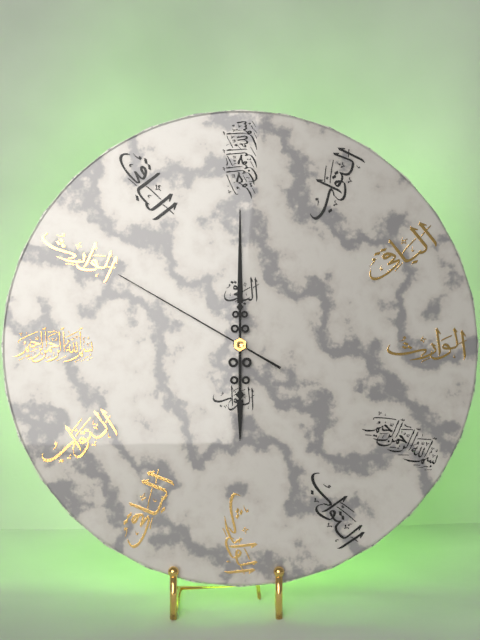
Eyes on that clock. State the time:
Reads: 6:00:50
